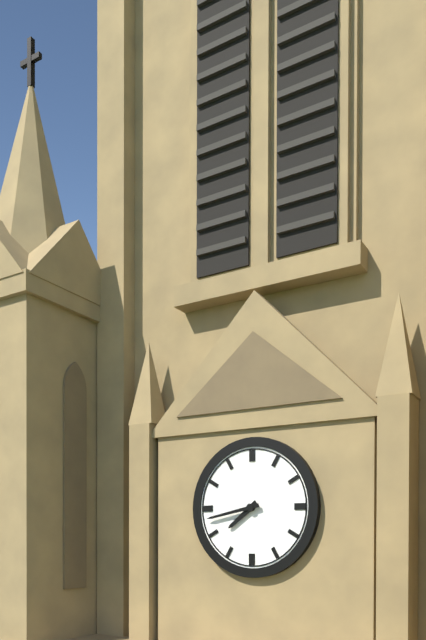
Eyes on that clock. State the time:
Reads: 7:43
